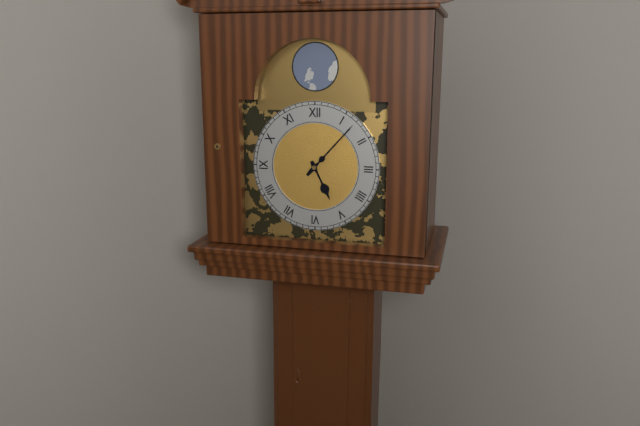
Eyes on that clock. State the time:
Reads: 5:07
